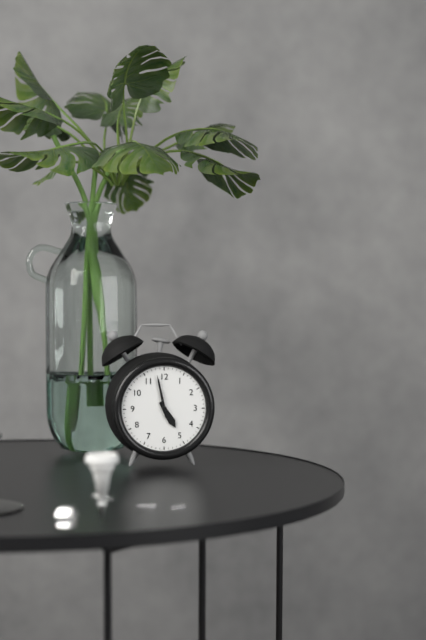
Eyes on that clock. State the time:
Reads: 4:58
